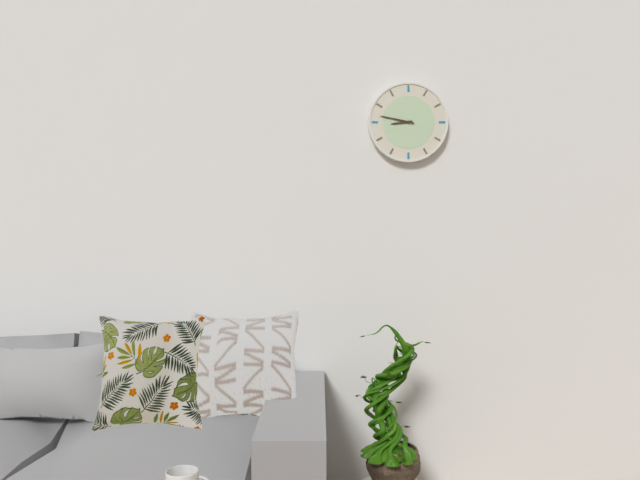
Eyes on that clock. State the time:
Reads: 8:47
